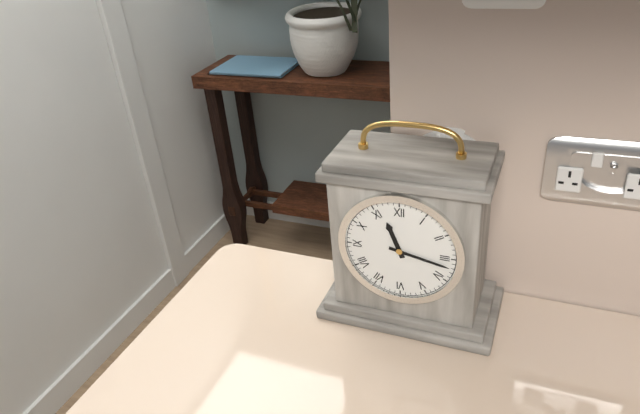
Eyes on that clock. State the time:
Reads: 11:17
